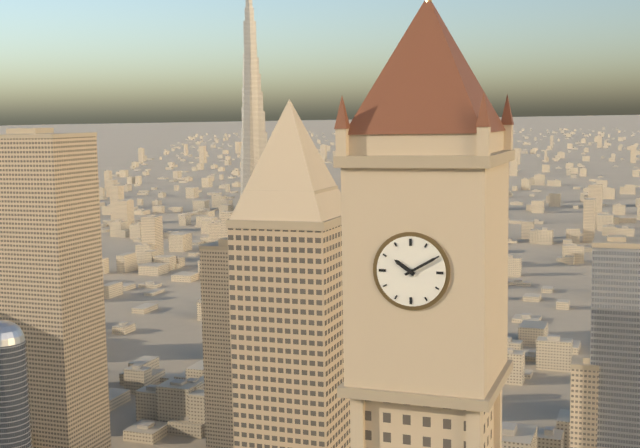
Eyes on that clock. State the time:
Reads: 10:10
